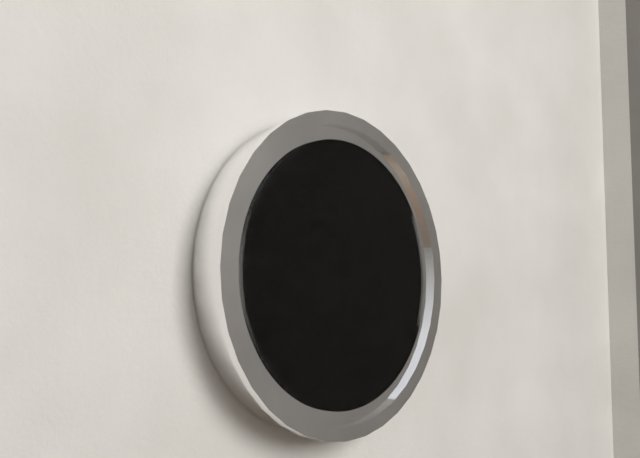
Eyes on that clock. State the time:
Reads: 9:18
